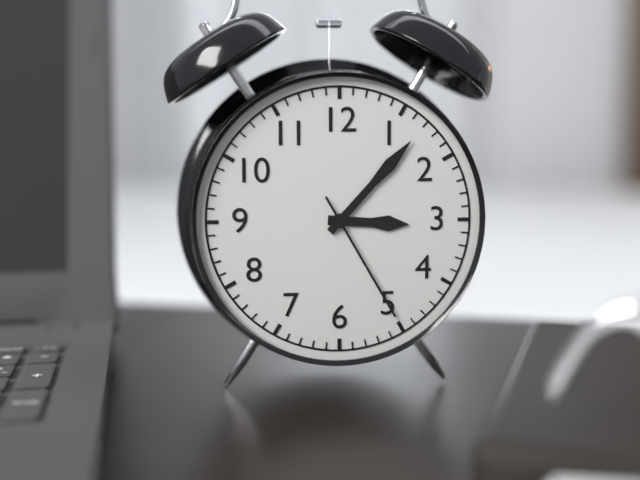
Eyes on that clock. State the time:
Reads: 3:07:25
